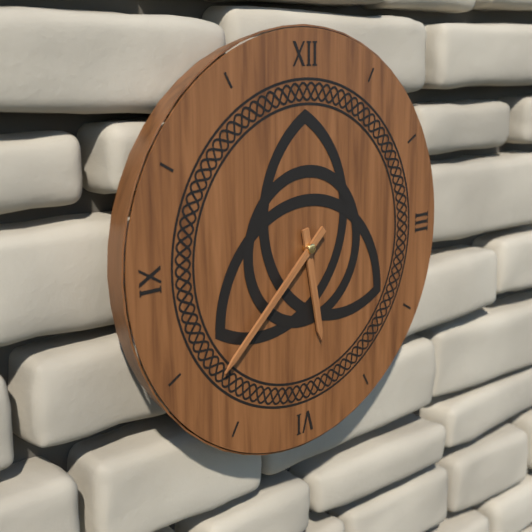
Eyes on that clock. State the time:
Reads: 5:38
